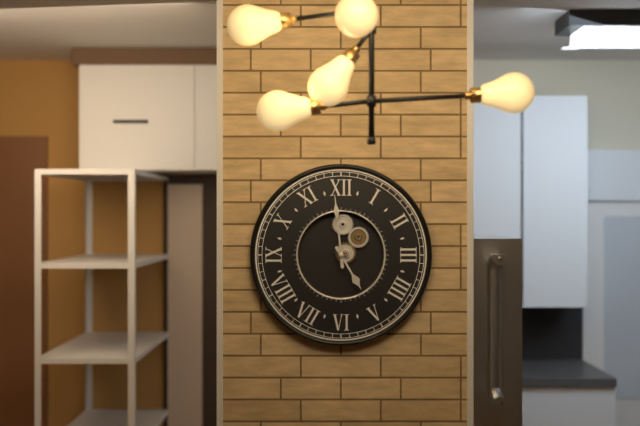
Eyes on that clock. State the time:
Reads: 4:59
